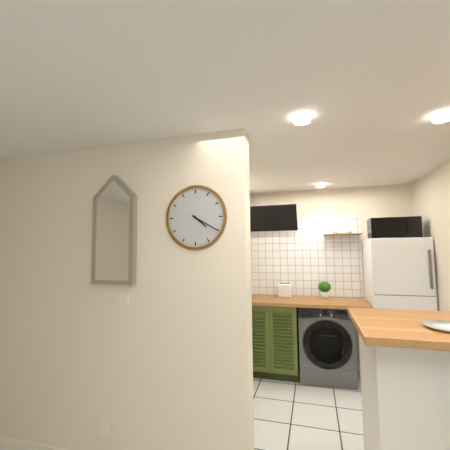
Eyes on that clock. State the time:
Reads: 4:20
